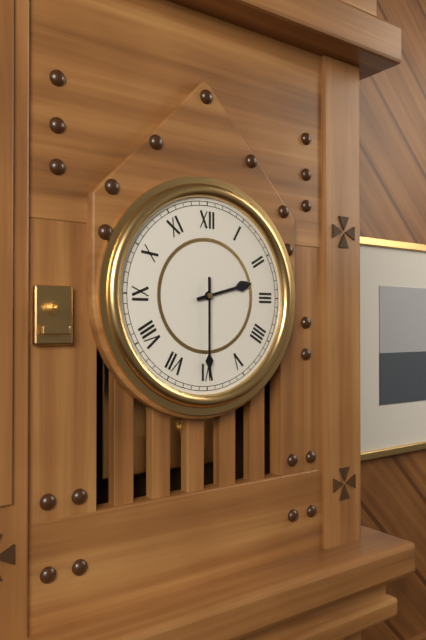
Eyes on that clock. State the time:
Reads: 2:30
